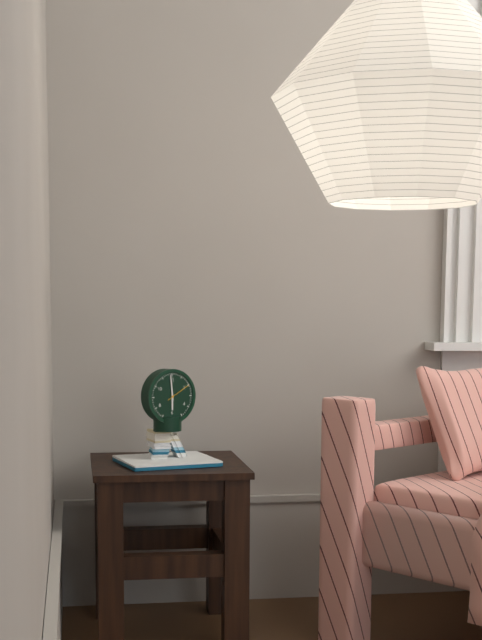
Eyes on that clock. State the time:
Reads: 5:59
